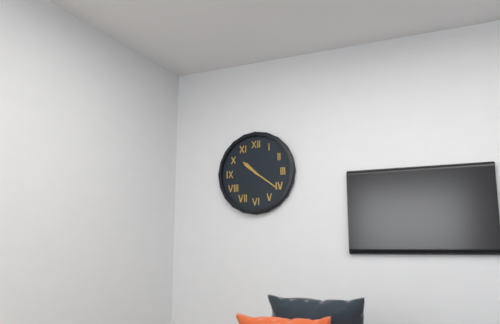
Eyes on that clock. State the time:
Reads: 10:21
